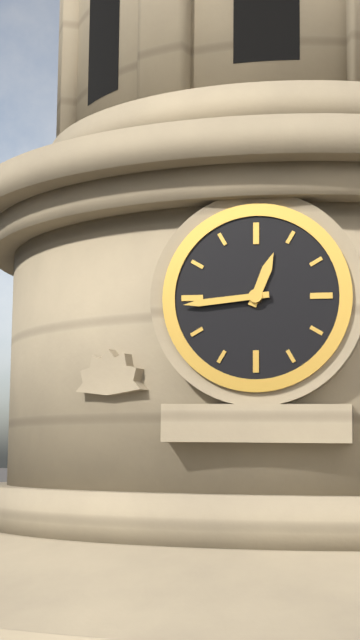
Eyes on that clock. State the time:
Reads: 12:44
